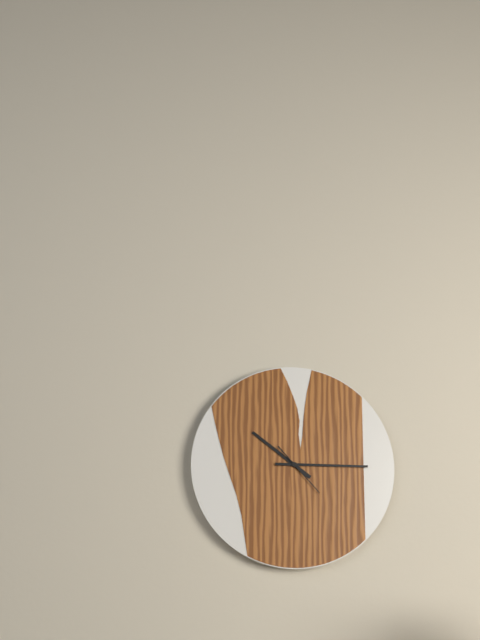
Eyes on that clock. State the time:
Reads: 10:15
